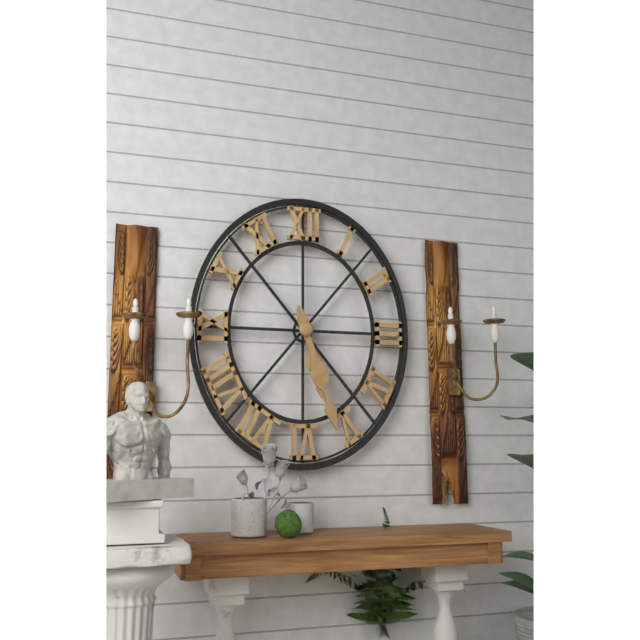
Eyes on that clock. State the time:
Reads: 5:27
